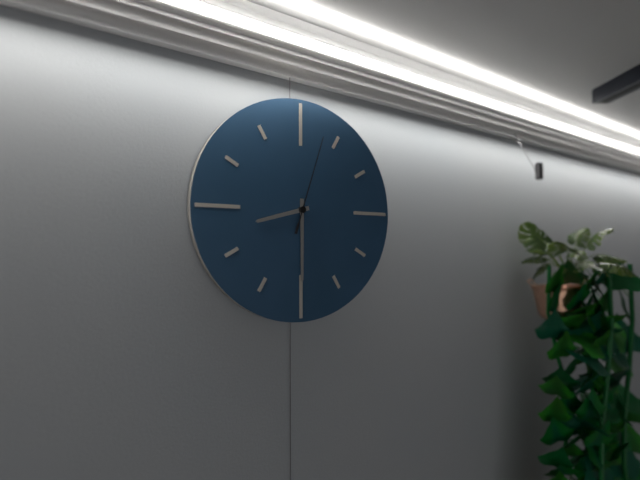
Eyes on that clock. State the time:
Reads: 8:30:03
